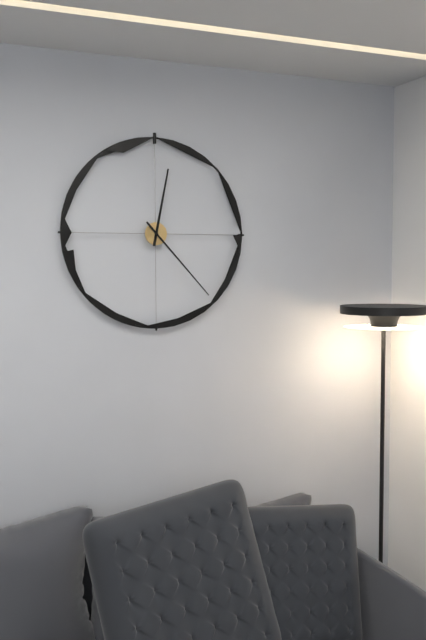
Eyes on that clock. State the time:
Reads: 12:23
